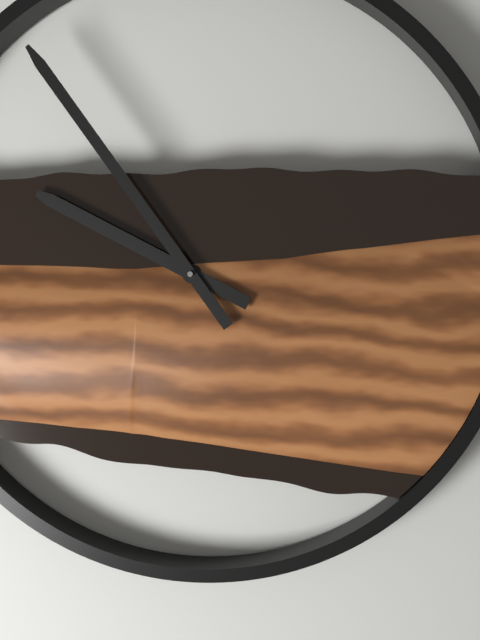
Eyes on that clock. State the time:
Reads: 9:54
